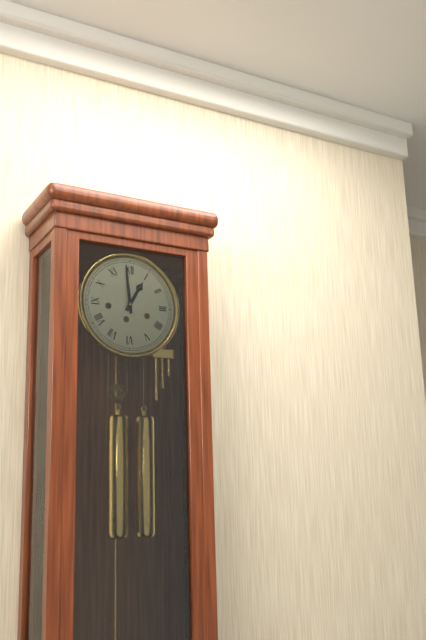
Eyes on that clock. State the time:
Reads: 12:59
